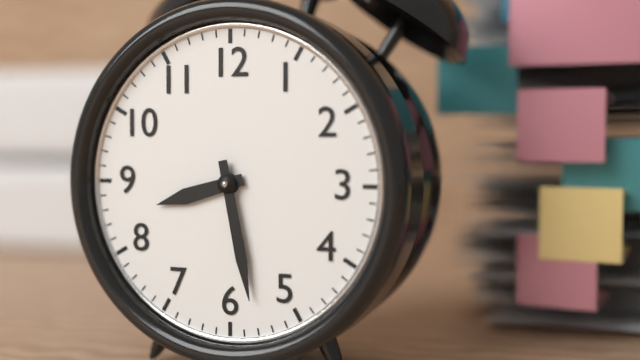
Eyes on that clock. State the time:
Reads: 8:28
